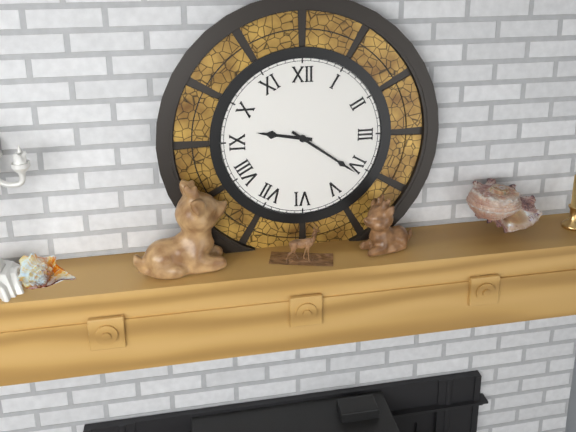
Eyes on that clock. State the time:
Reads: 9:21
